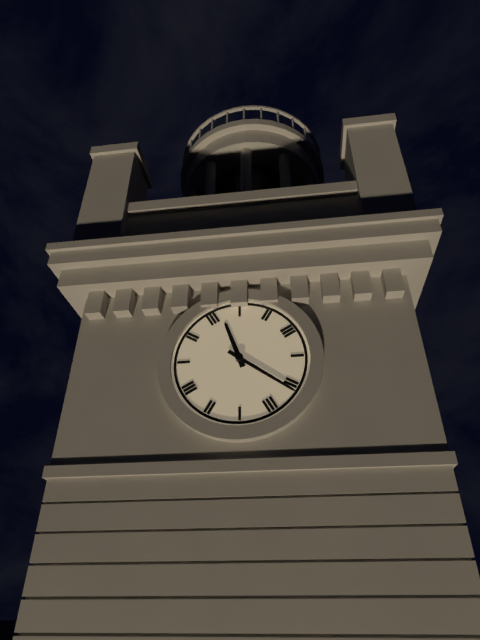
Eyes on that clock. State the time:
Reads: 11:21
